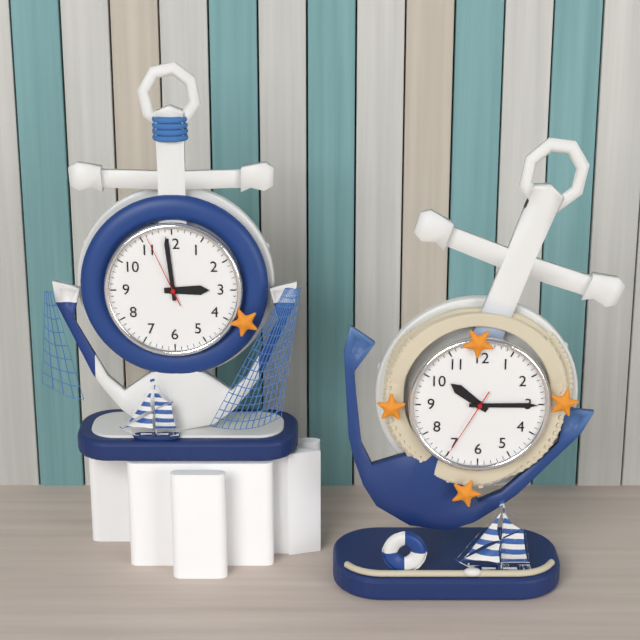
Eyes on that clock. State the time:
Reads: 2:59:56
